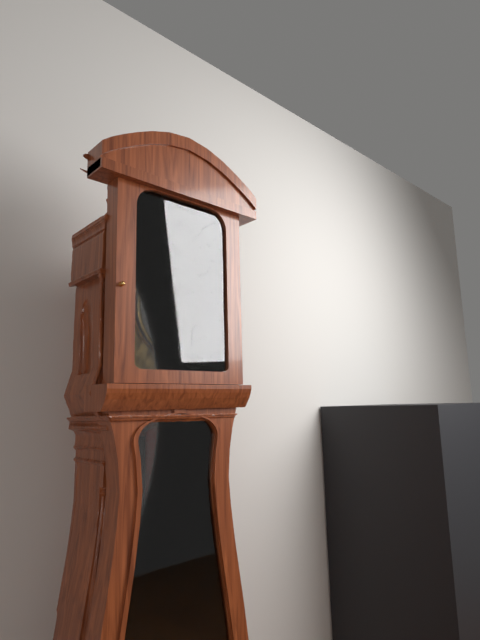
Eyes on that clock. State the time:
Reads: 4:08
